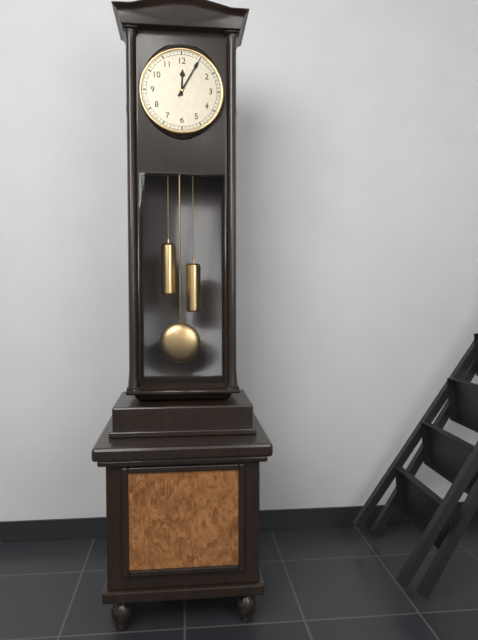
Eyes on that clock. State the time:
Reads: 12:05
